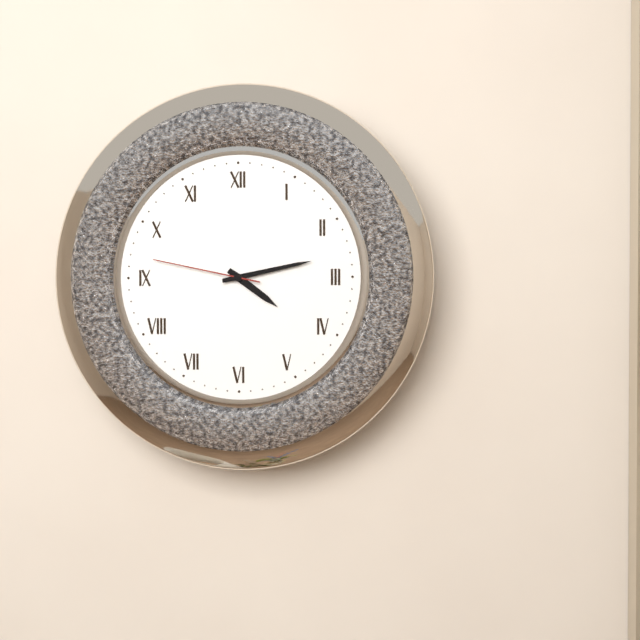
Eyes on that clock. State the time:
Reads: 4:13:47
